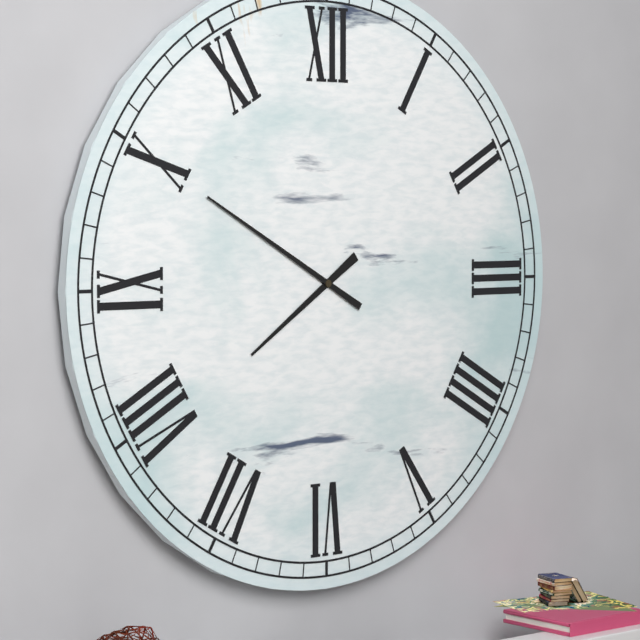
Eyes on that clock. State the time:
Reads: 7:50
